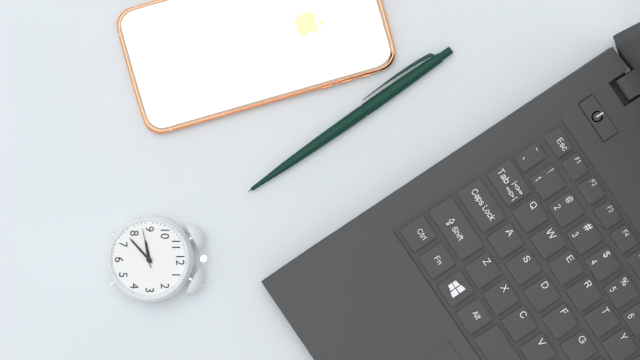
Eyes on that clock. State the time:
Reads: 8:38
